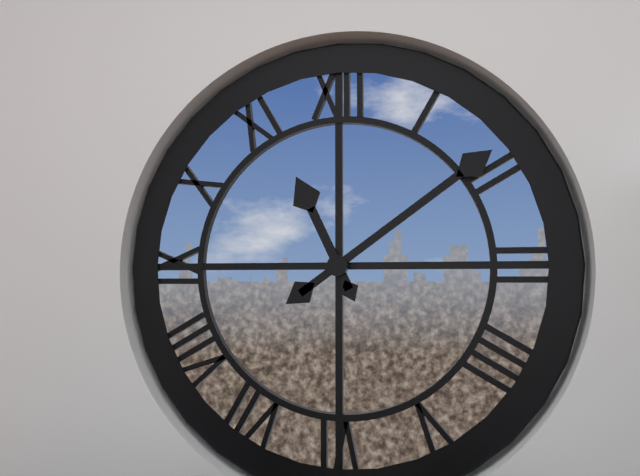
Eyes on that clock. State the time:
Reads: 11:09
